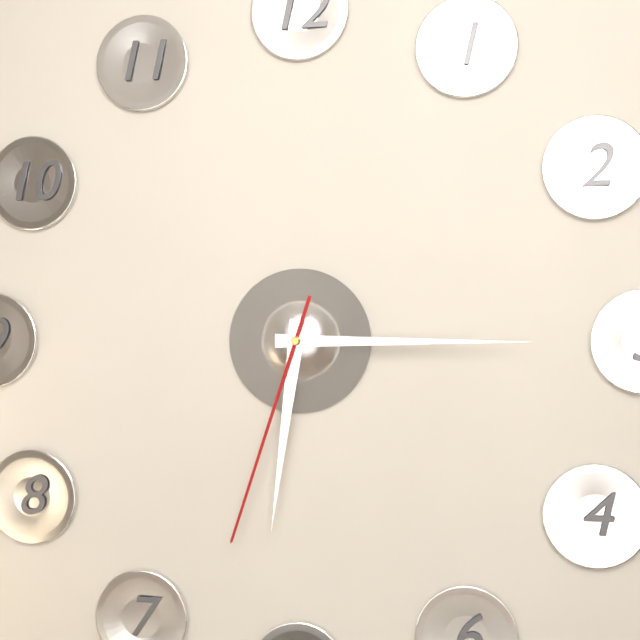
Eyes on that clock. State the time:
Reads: 6:15:33
